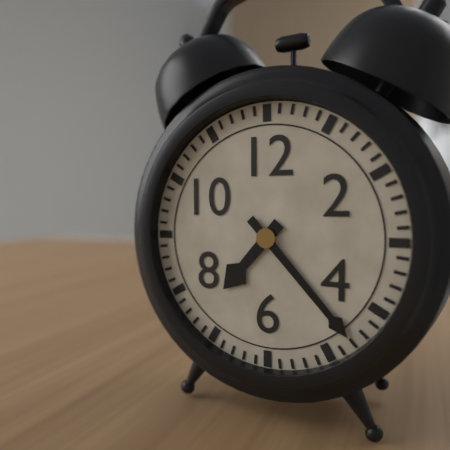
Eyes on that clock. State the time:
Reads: 7:23
